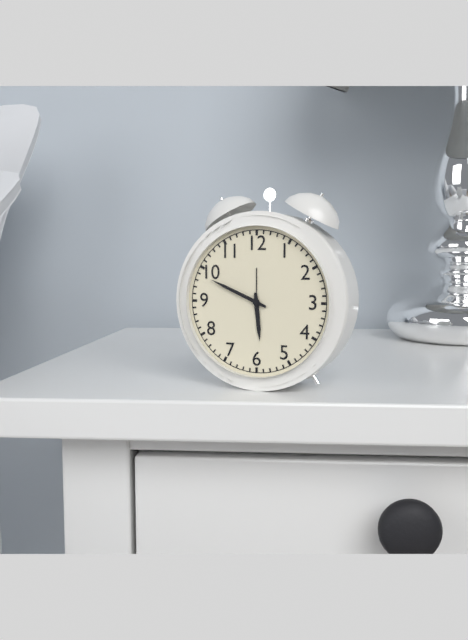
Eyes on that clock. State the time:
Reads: 5:49
